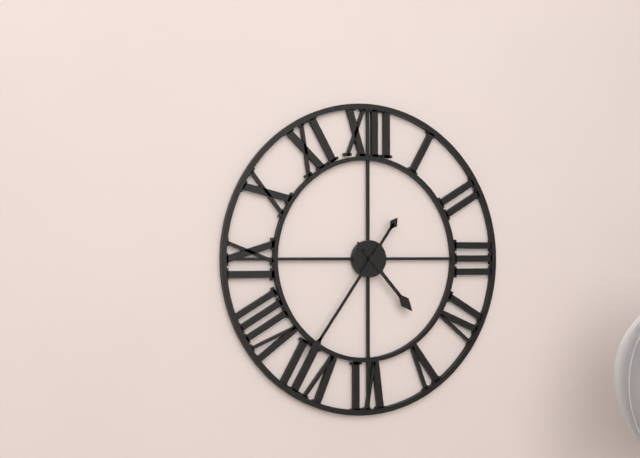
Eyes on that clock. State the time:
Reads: 4:36
